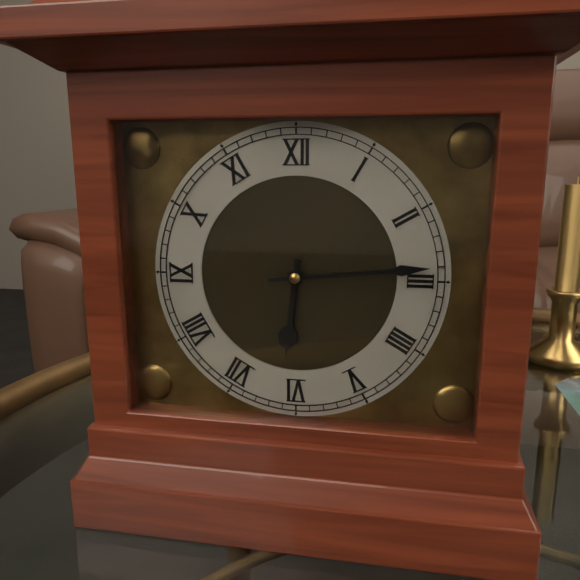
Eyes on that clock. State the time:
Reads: 6:14
